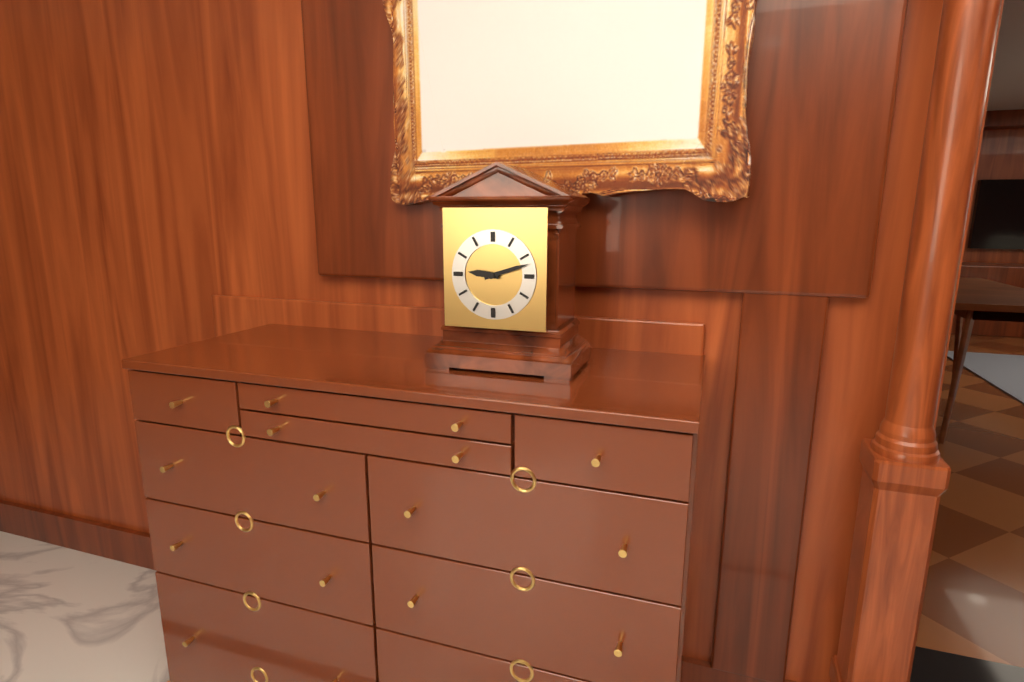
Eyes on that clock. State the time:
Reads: 9:12
